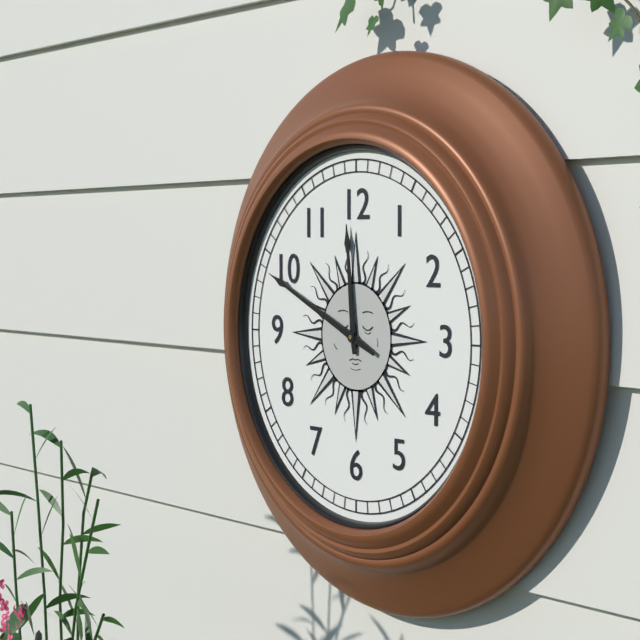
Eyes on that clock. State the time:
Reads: 11:49
